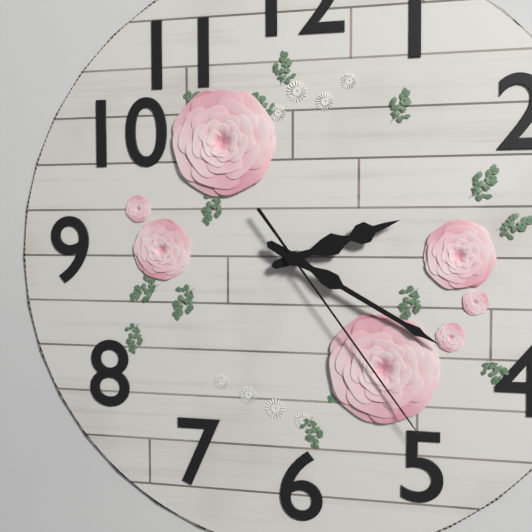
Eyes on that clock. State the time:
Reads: 2:20:24
